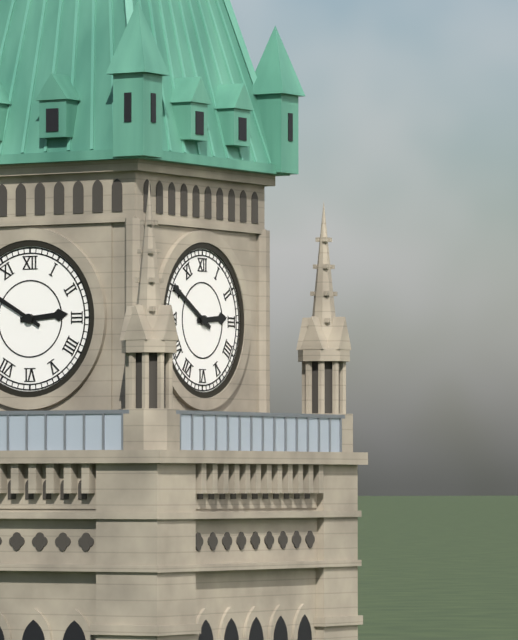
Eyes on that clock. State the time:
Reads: 2:50
